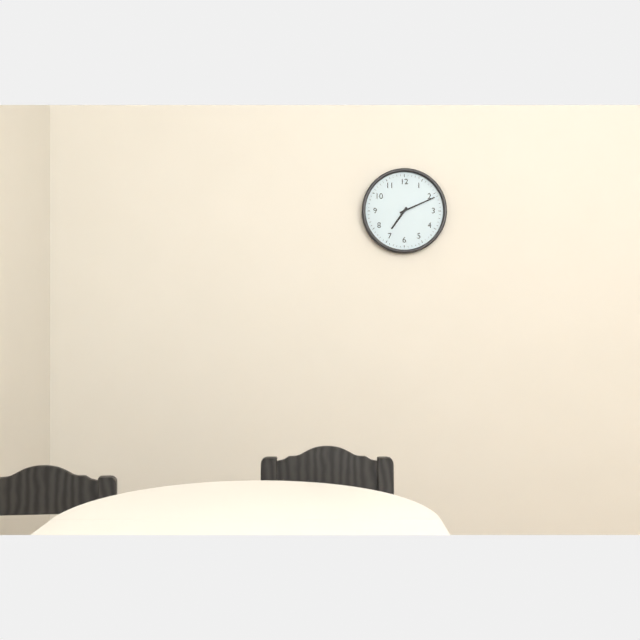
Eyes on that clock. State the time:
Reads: 7:11
